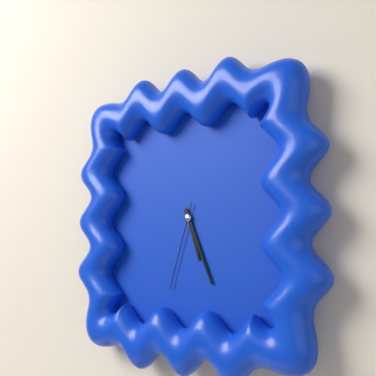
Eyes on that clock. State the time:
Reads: 5:26:33
